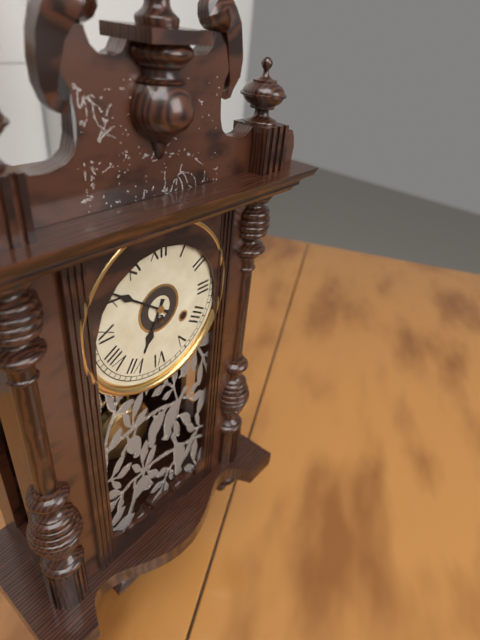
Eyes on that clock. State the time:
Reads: 6:51
